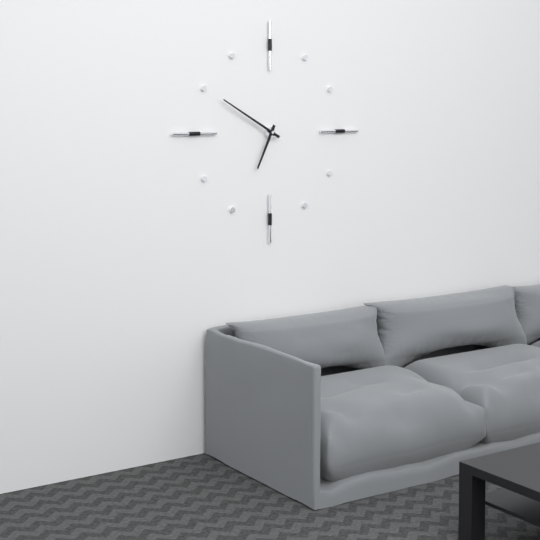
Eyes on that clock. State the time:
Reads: 6:50
